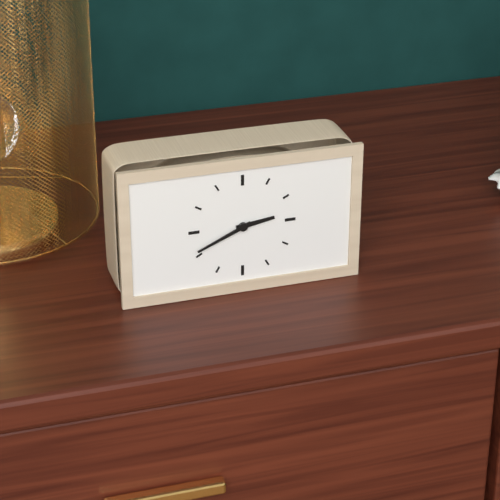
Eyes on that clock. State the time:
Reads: 2:41
